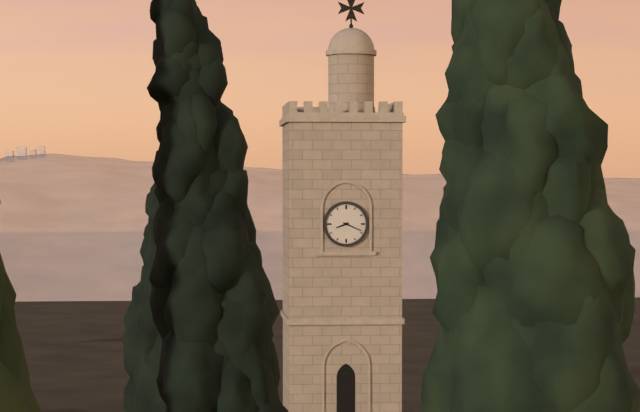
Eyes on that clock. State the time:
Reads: 8:19
